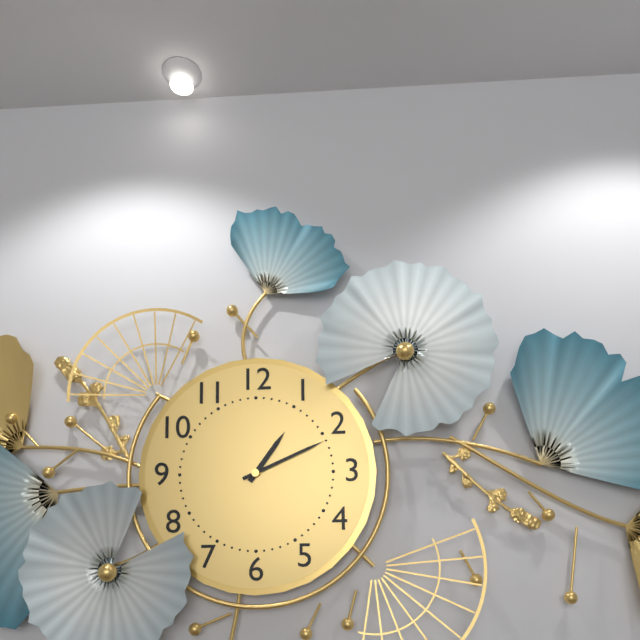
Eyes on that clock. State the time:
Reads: 1:11
